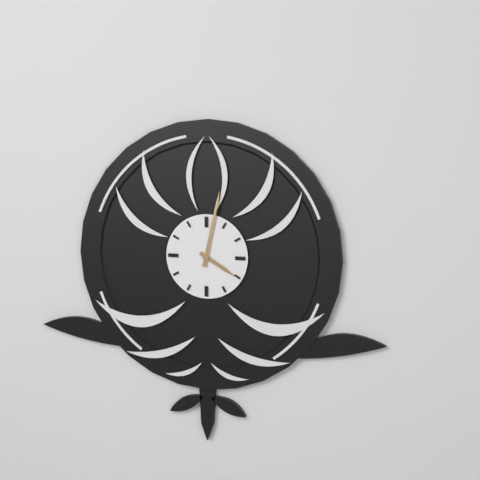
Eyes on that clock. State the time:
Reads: 4:02
